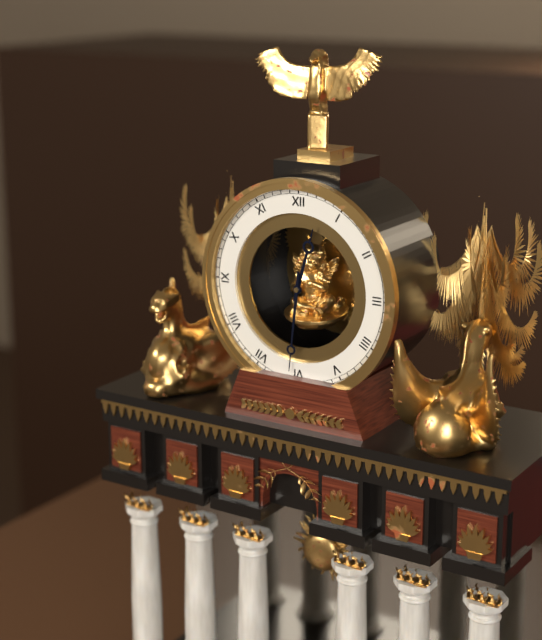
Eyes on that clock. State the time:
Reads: 12:31
